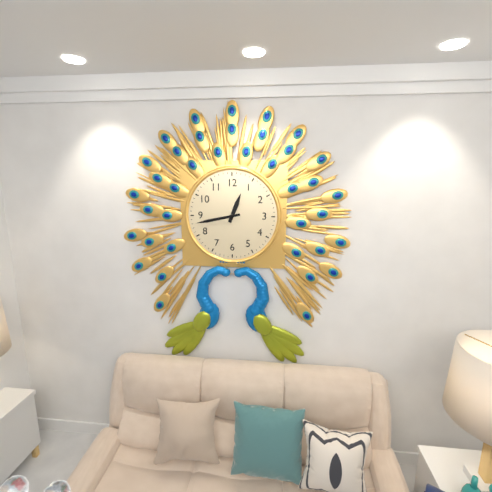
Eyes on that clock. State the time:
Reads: 12:43
